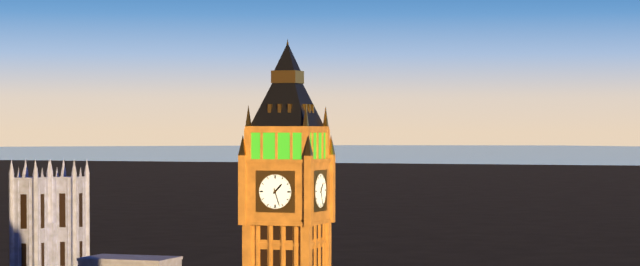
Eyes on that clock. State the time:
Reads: 1:27
